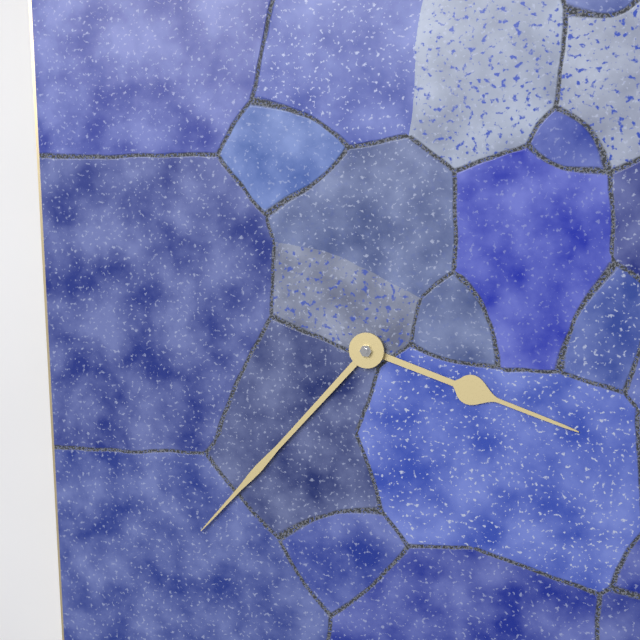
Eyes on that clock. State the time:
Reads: 3:37
